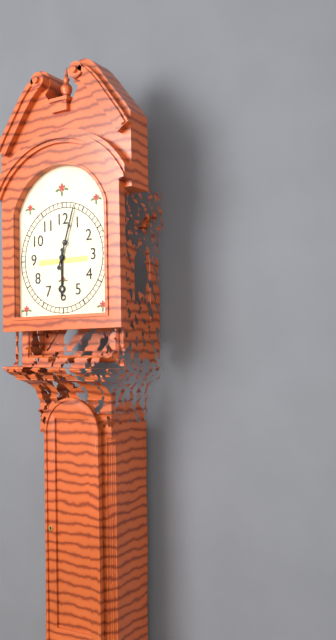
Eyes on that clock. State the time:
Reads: 6:03
